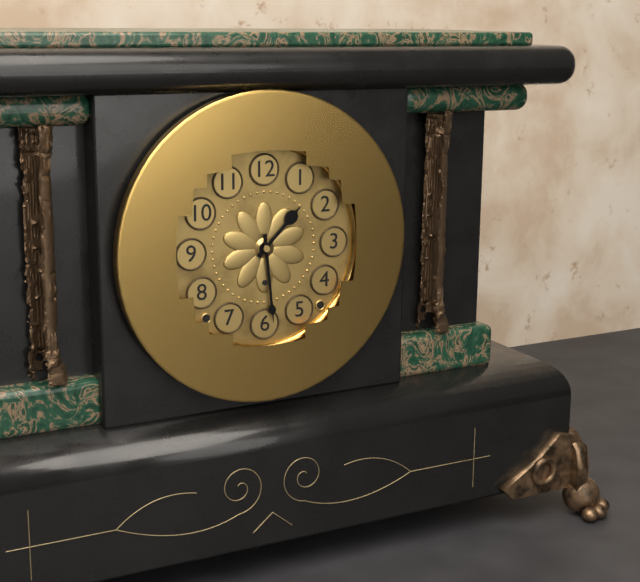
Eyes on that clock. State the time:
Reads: 1:29
